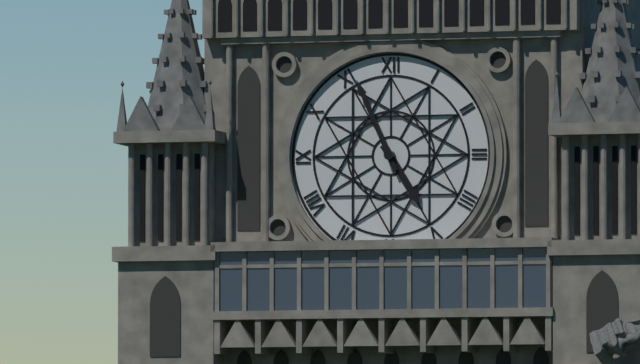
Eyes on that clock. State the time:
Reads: 4:56
